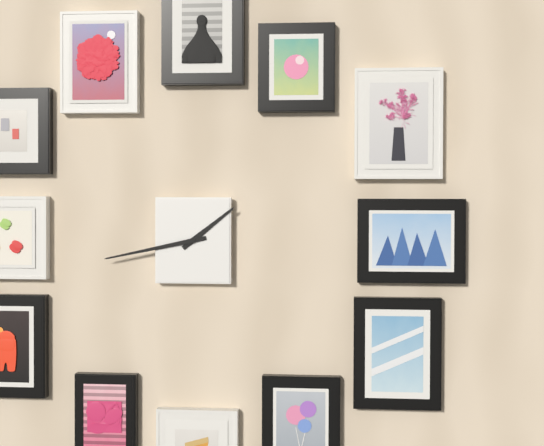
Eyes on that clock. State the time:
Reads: 1:43
